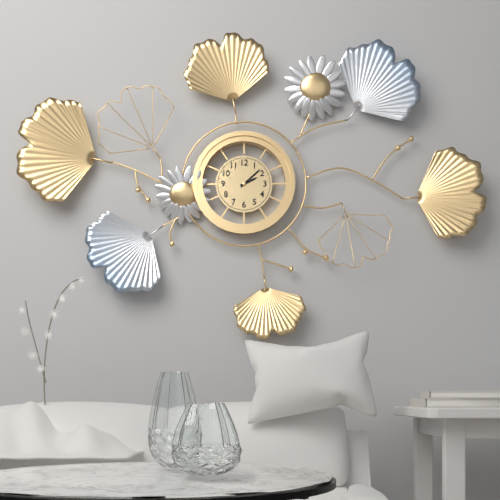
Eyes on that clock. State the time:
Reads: 2:08
